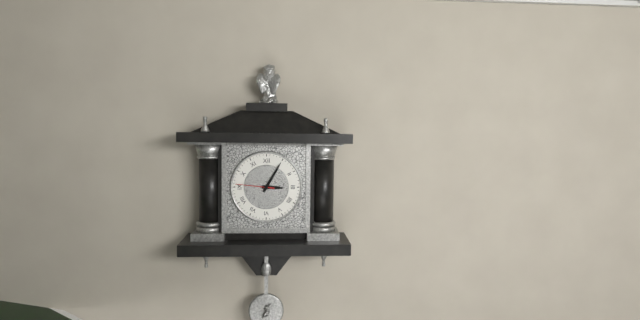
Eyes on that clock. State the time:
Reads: 3:05
